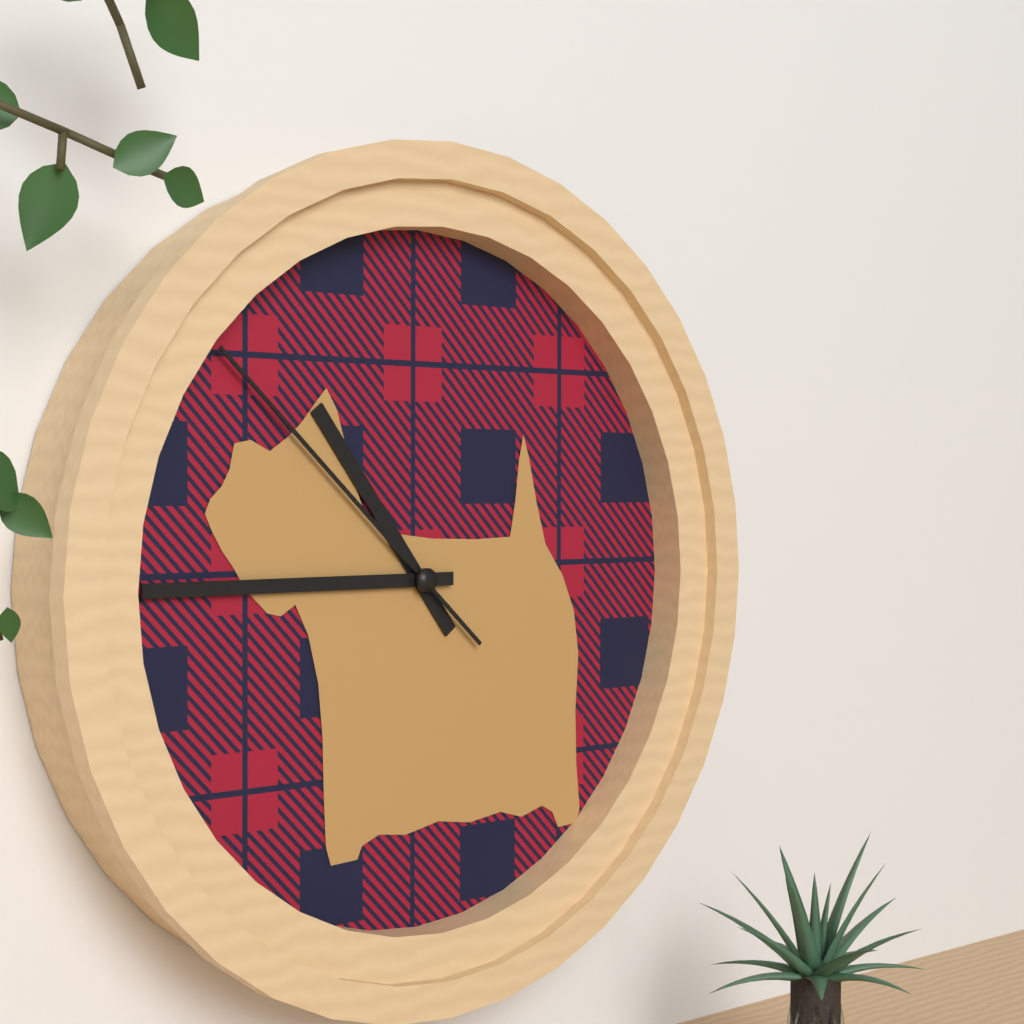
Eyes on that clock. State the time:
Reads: 10:45:52
